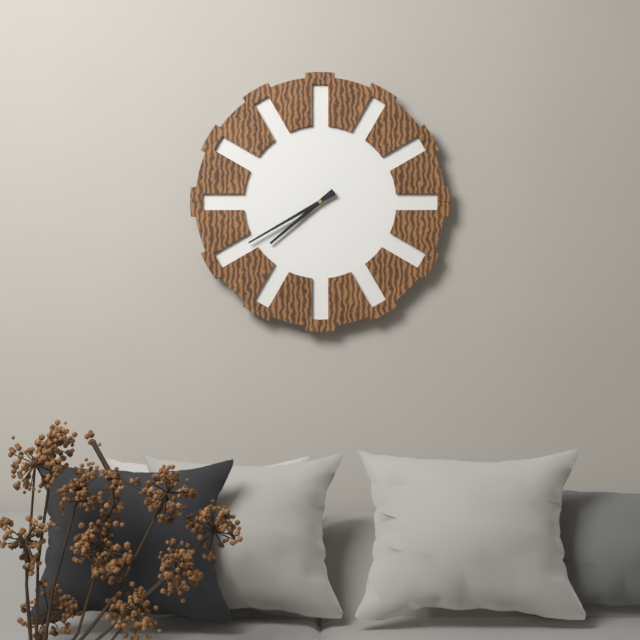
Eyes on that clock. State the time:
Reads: 7:40
